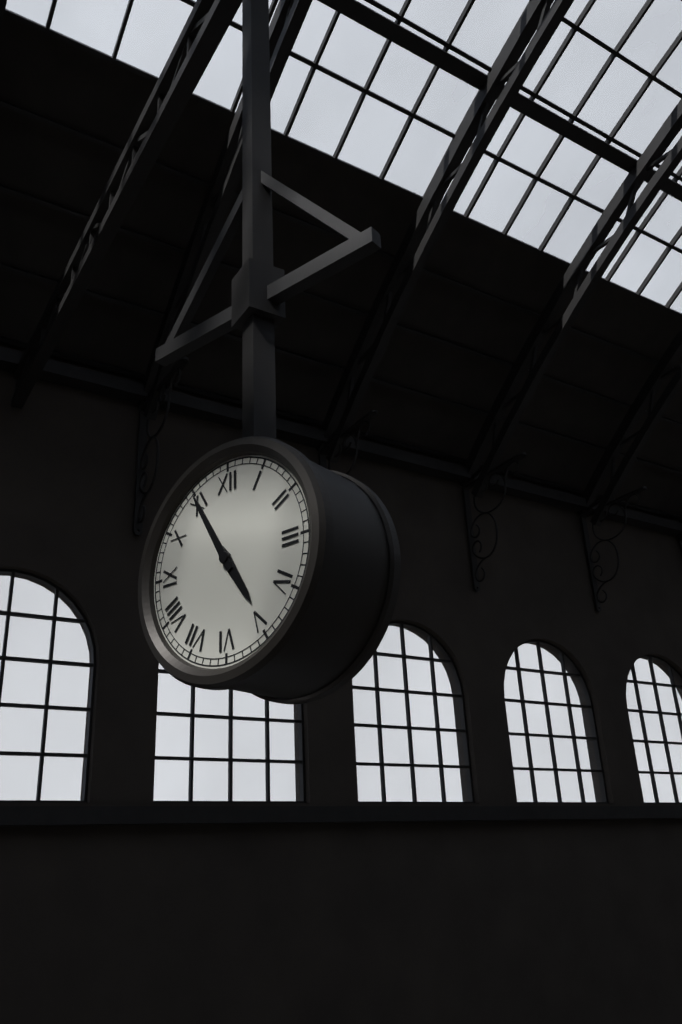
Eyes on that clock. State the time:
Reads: 4:55
